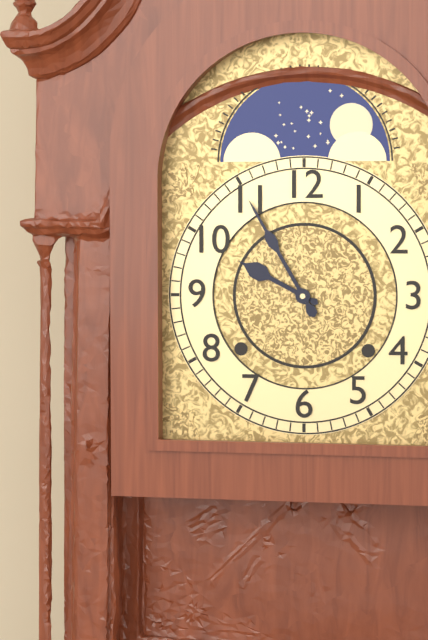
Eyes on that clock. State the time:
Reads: 9:55
